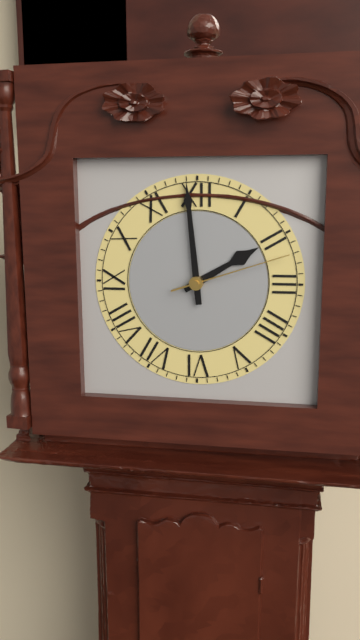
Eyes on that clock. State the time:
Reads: 1:59:12
